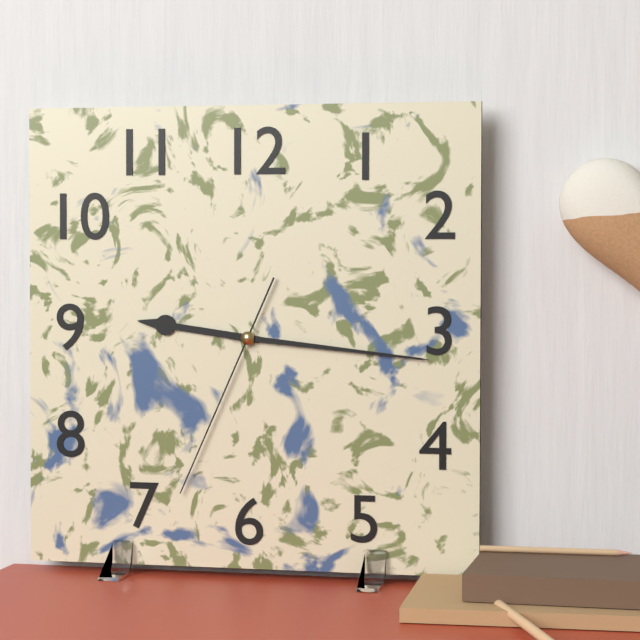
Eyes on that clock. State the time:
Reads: 9:16:34
